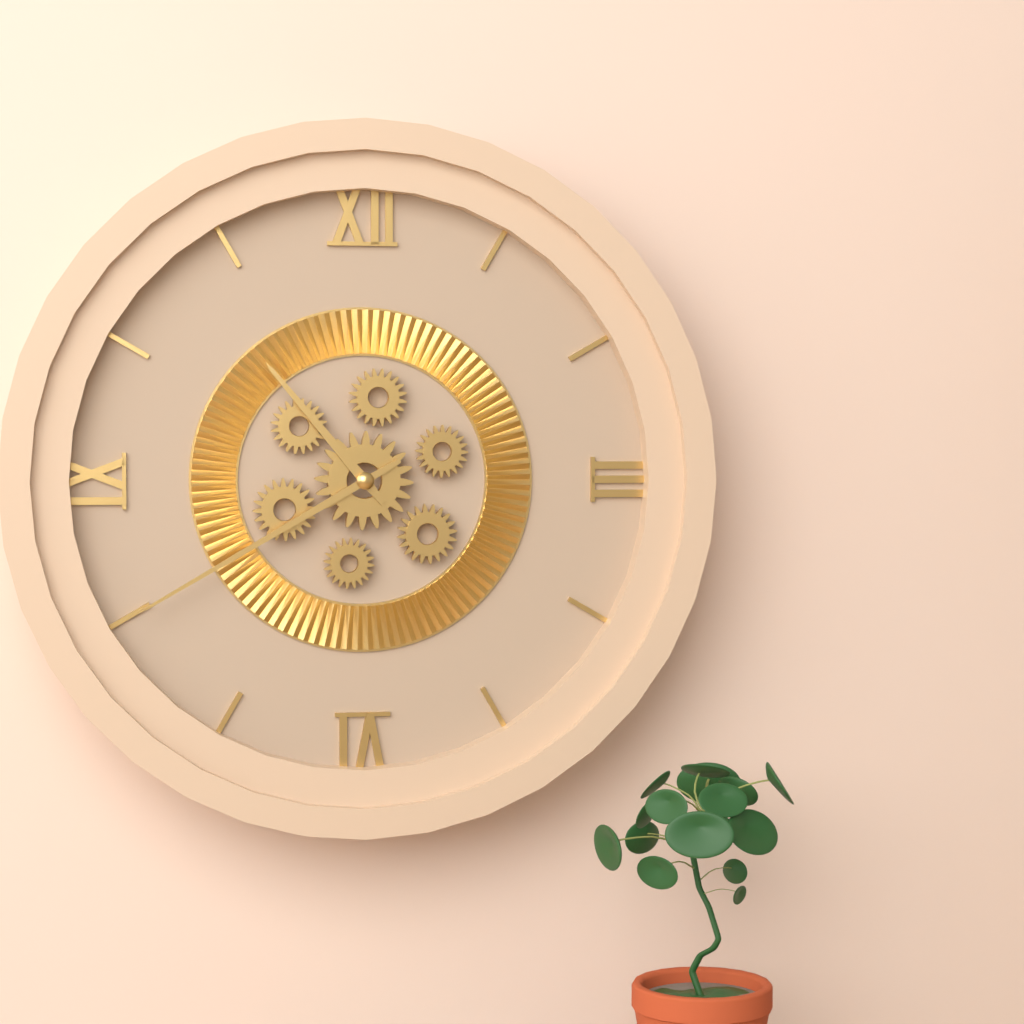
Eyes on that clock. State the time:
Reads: 10:40
